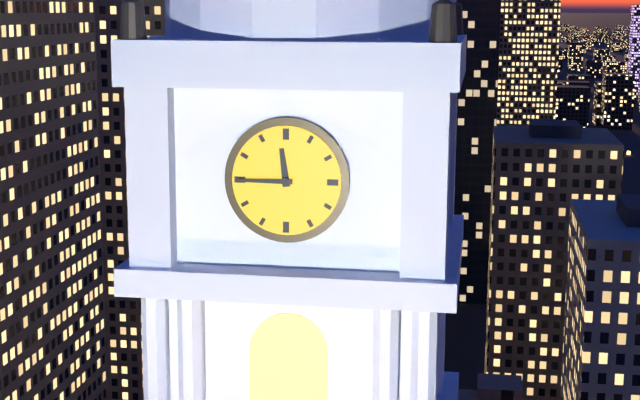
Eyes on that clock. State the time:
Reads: 11:45
